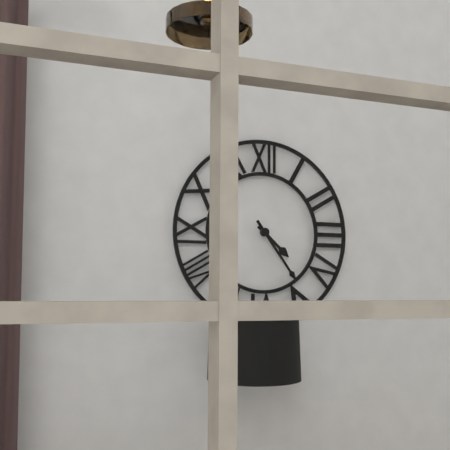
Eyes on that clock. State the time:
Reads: 4:24
